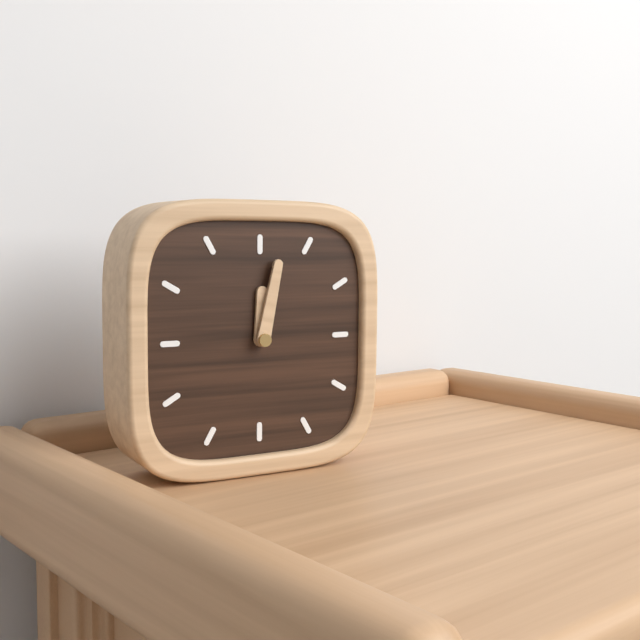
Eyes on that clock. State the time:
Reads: 12:02
